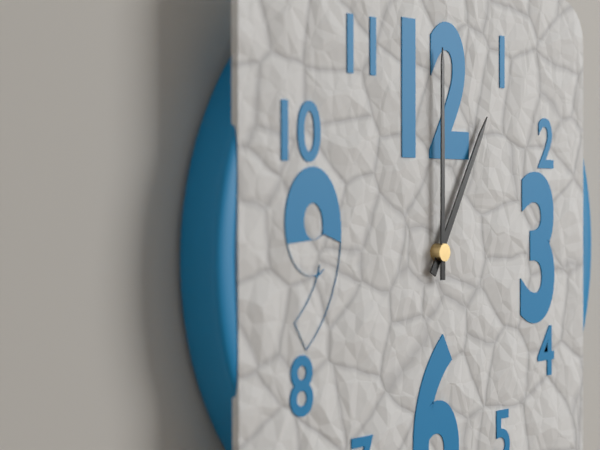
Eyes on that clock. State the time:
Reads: 1:00
